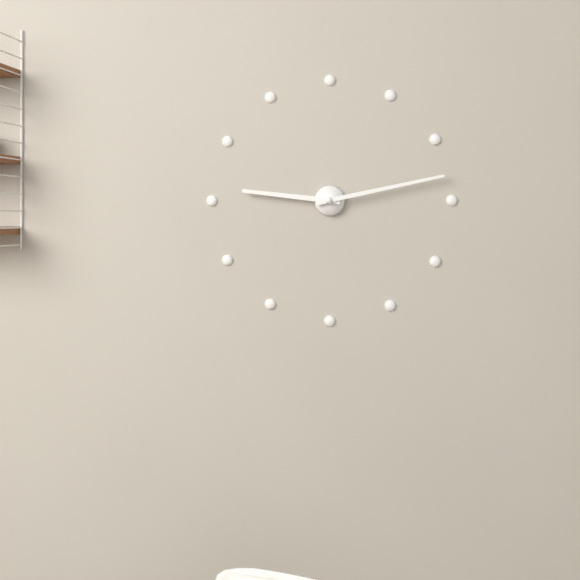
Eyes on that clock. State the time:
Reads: 9:13
